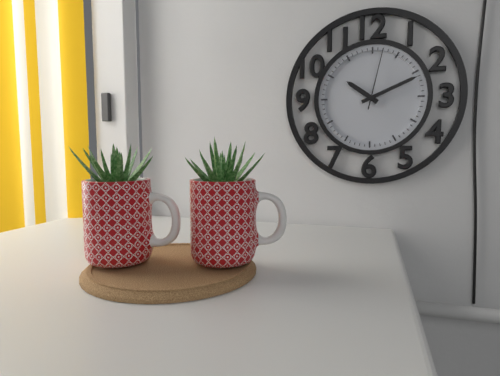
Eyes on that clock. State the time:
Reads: 10:11:02
